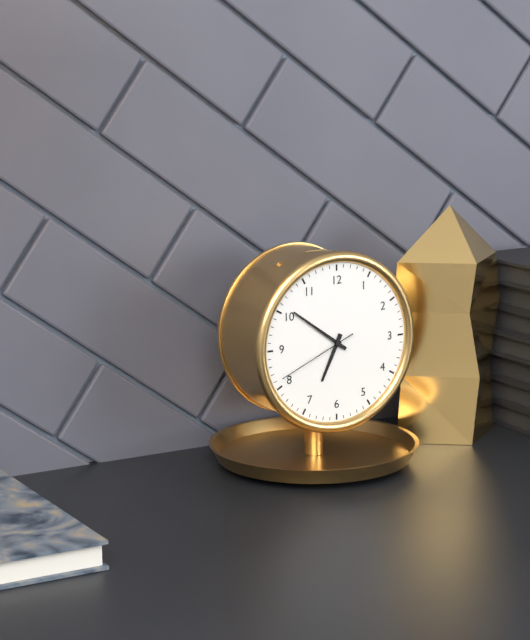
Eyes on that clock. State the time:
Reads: 6:51:41
